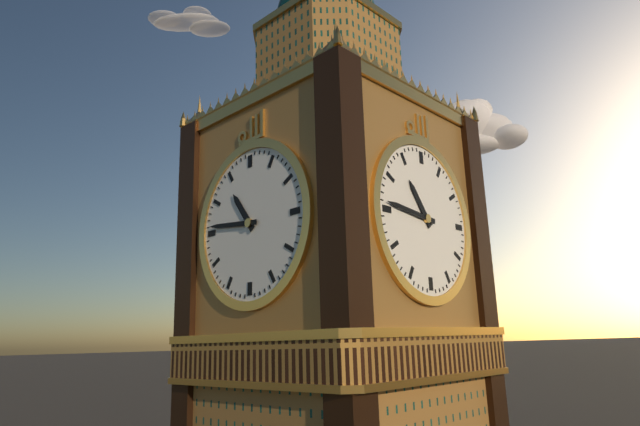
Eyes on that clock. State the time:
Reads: 10:46
